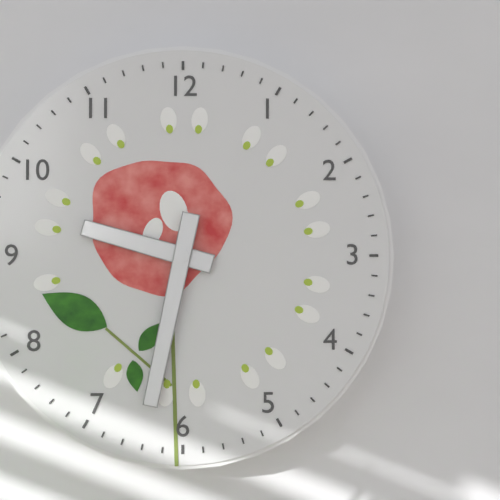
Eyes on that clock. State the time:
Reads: 9:32
